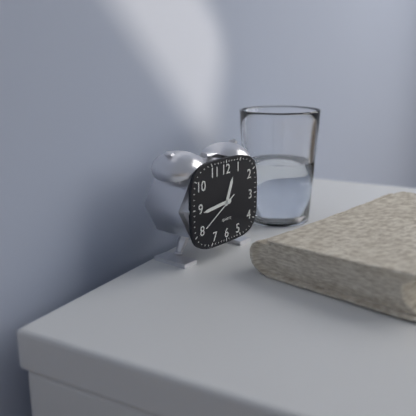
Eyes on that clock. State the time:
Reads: 12:44
